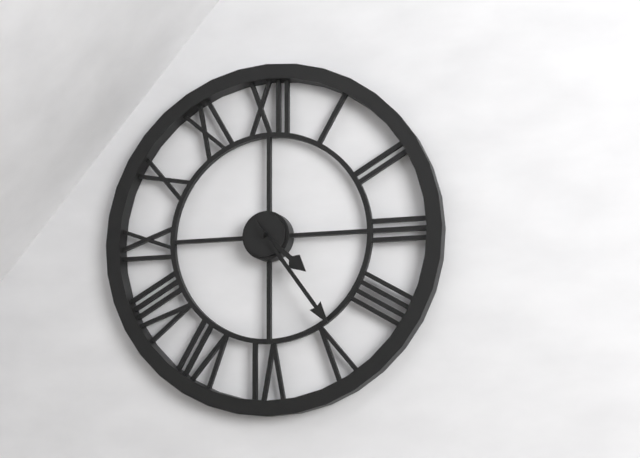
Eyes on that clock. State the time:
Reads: 4:24
